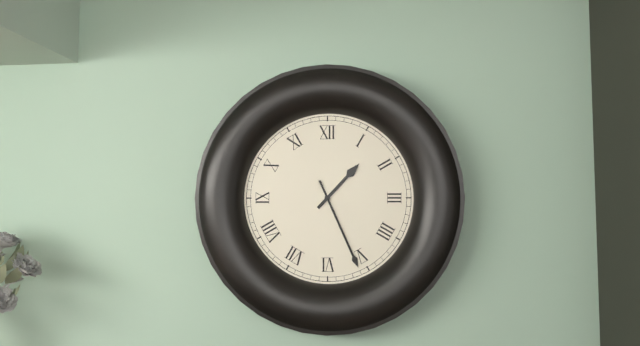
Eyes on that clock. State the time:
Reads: 1:26
